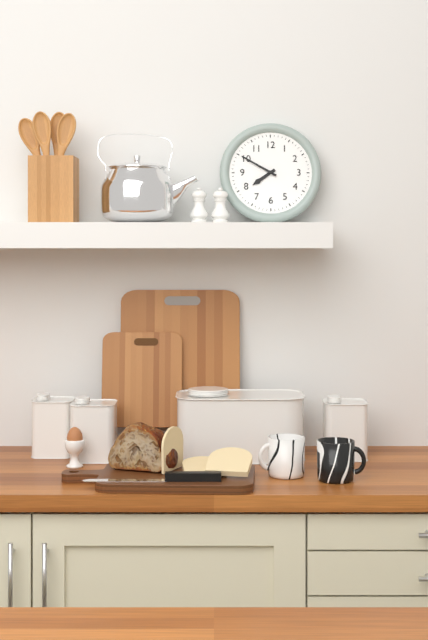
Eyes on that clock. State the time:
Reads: 7:50
